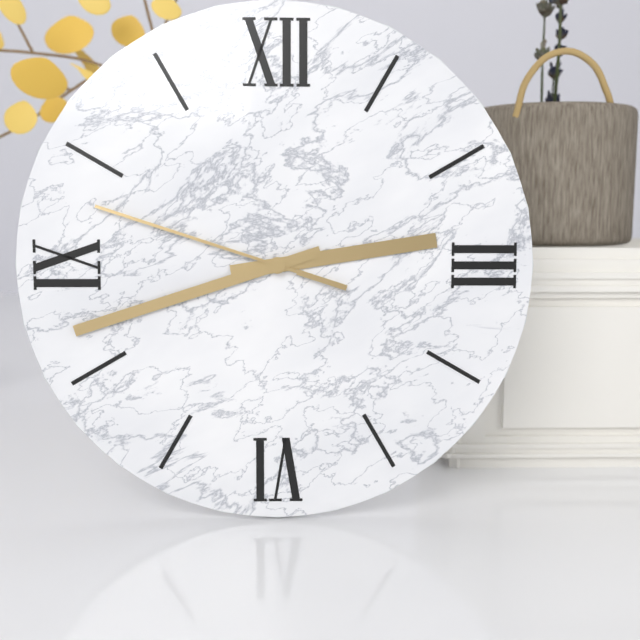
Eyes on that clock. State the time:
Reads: 2:42:48
